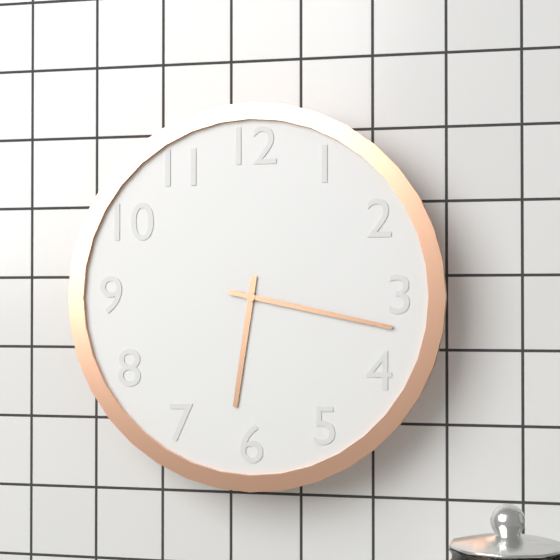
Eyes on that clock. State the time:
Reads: 6:17
